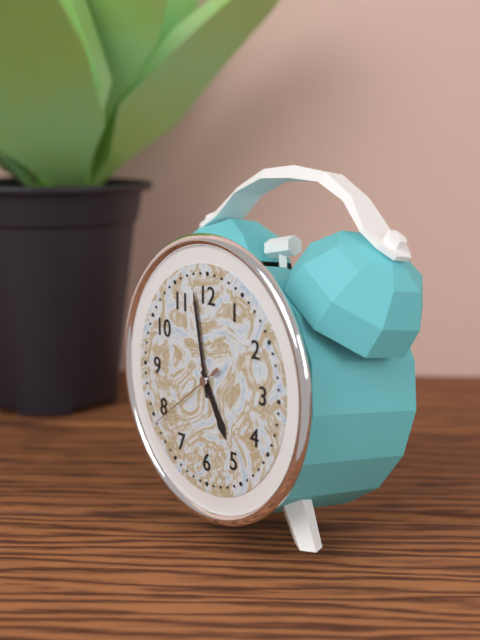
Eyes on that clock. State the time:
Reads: 4:58:39
